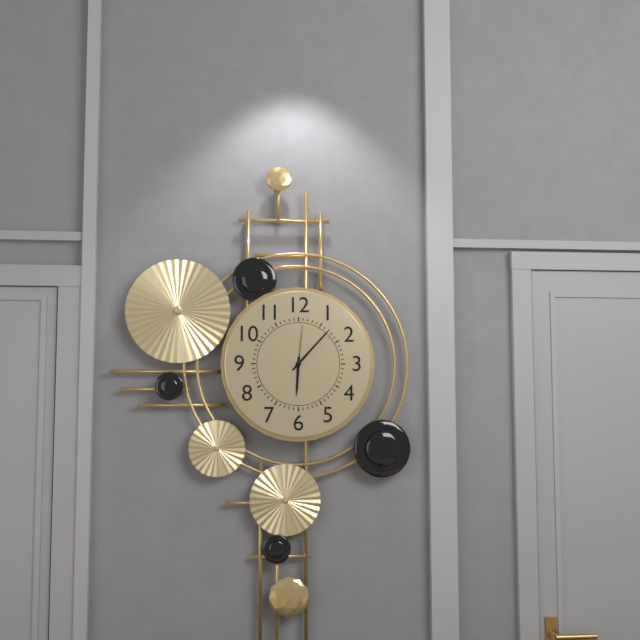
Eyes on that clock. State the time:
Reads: 6:07
